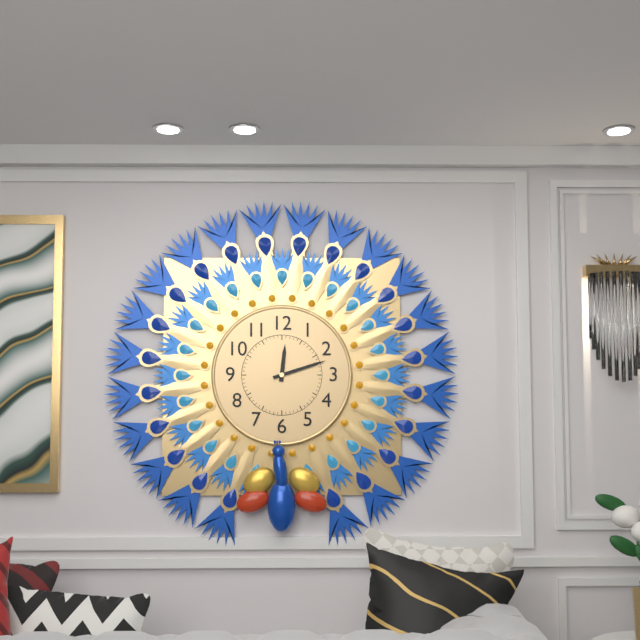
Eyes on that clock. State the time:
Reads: 12:12
